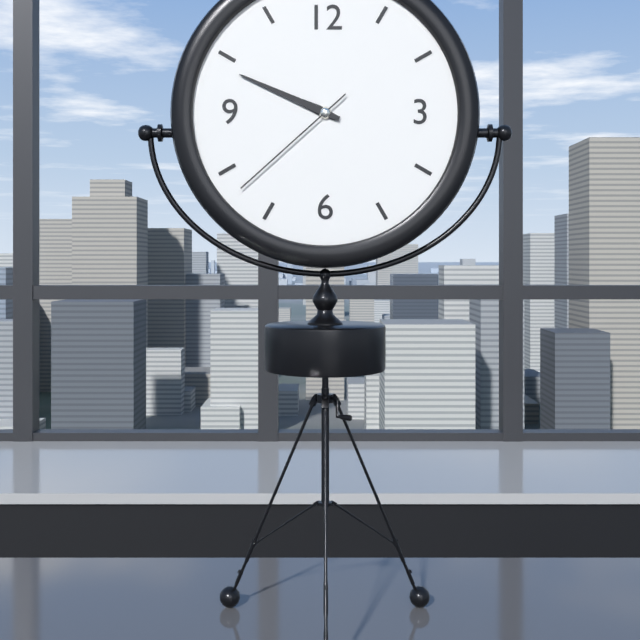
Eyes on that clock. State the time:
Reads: 9:49:38
